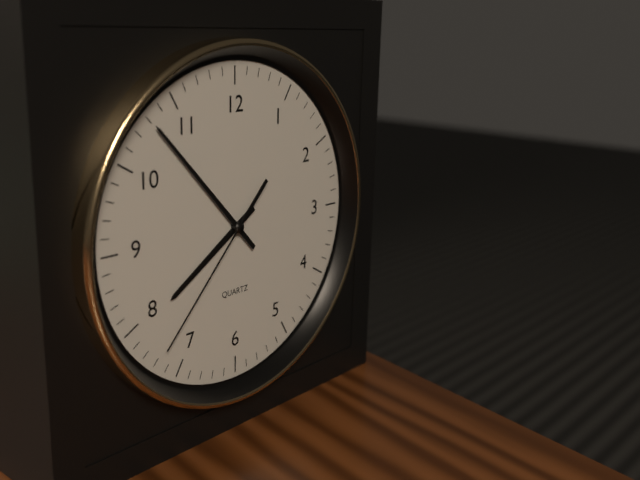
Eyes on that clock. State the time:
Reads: 7:53:37
